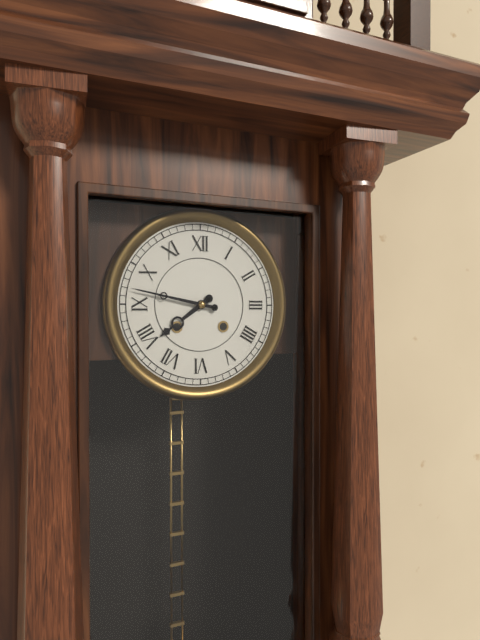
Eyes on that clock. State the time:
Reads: 7:47
